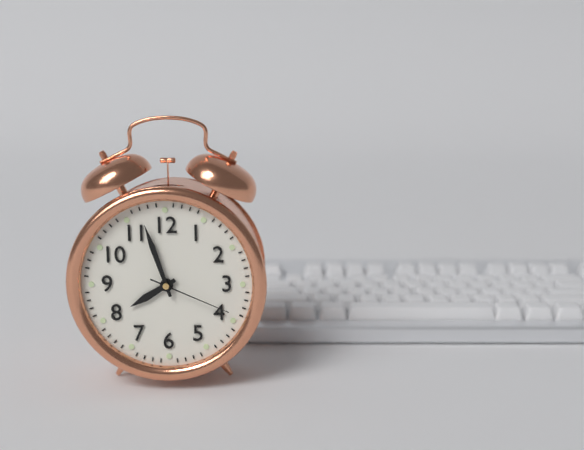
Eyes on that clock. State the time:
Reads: 7:57:19
